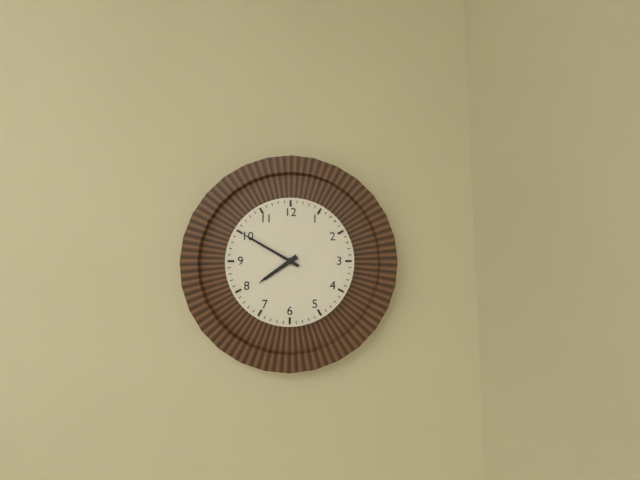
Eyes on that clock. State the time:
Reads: 7:50
